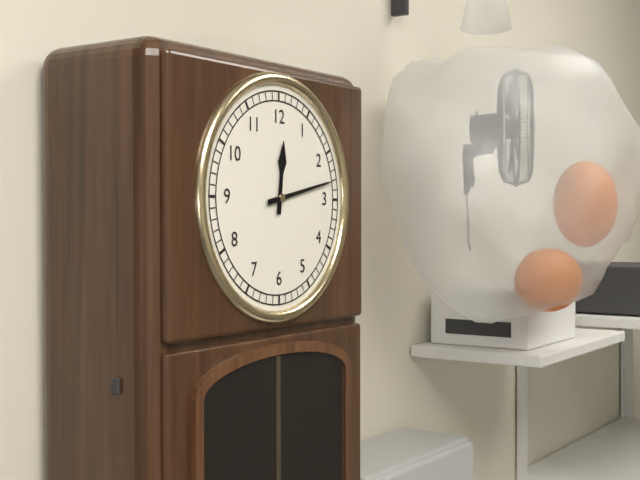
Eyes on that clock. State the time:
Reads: 12:13
